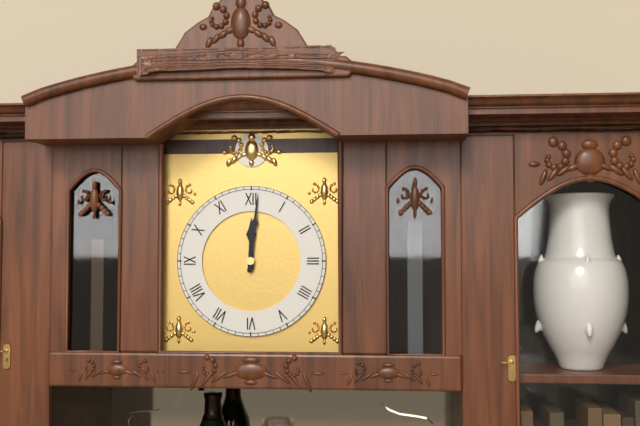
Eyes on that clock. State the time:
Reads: 12:01
